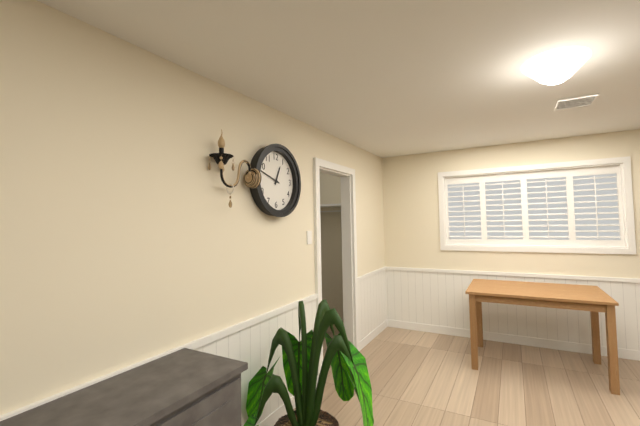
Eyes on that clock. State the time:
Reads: 12:48
